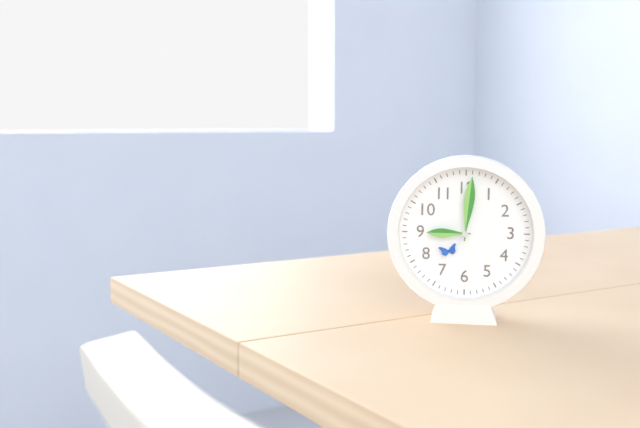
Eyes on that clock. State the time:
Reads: 9:01
